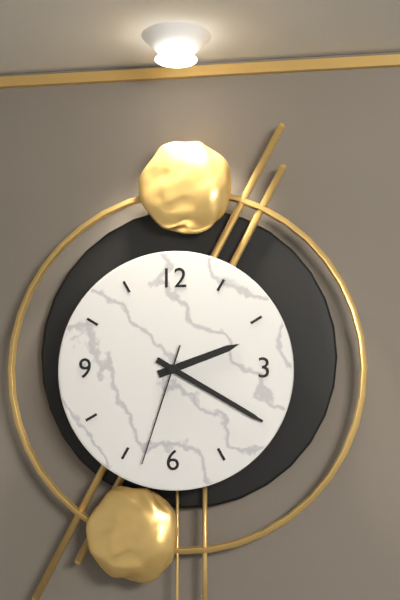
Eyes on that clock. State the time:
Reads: 2:20:33
